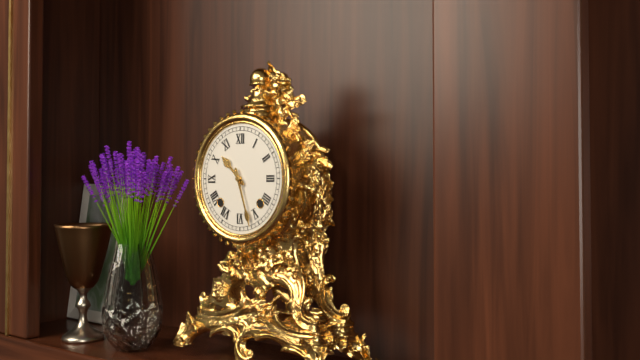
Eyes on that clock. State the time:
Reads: 10:27
